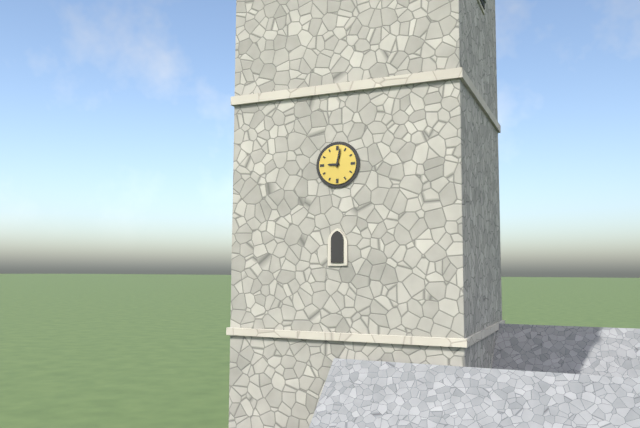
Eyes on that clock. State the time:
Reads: 9:02
